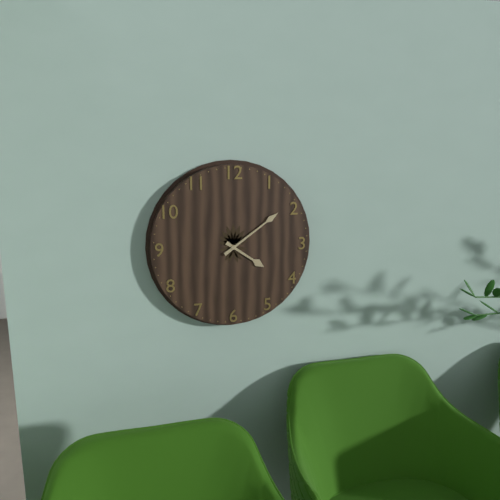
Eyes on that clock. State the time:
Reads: 4:09
